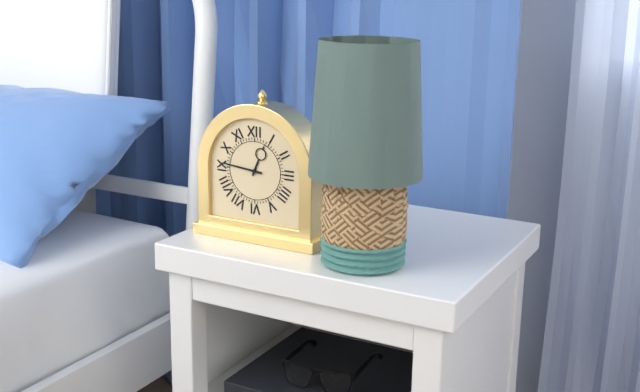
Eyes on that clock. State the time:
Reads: 12:46
